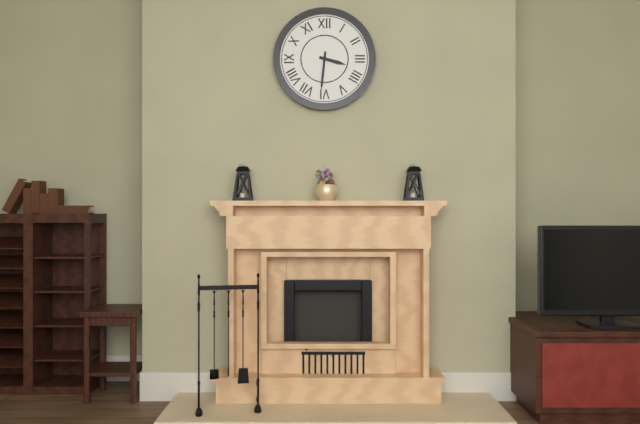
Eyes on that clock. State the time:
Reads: 3:31
